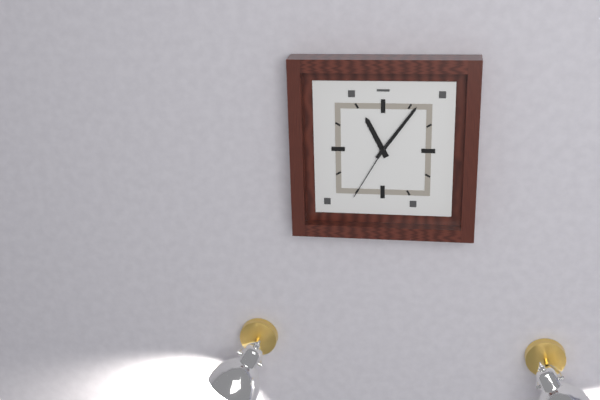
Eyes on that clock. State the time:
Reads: 11:06:35
